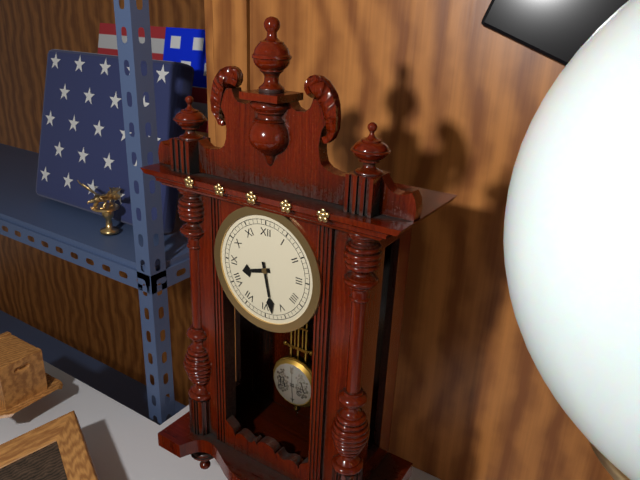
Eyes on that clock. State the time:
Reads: 8:28
